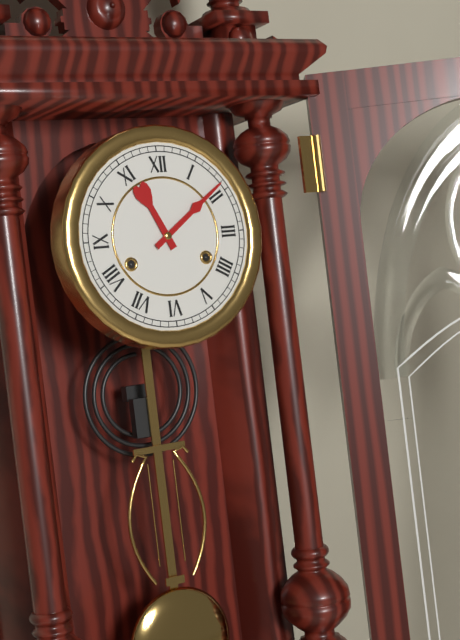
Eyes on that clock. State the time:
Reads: 11:09
